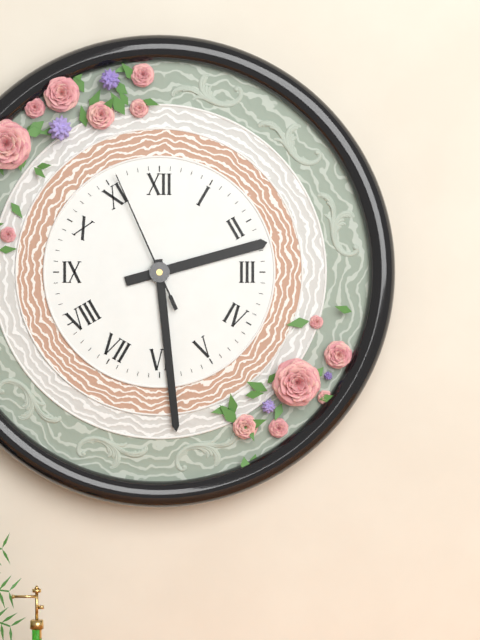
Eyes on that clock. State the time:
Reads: 2:29:56
